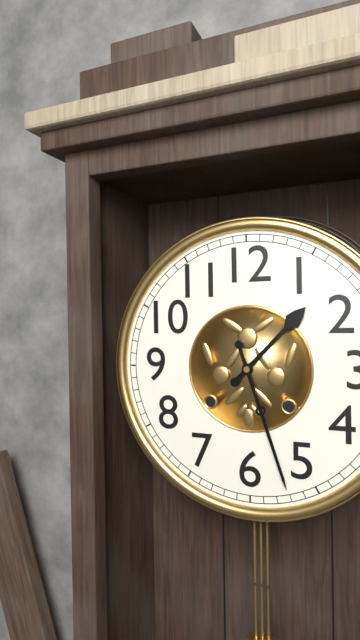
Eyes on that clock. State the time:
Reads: 1:27
